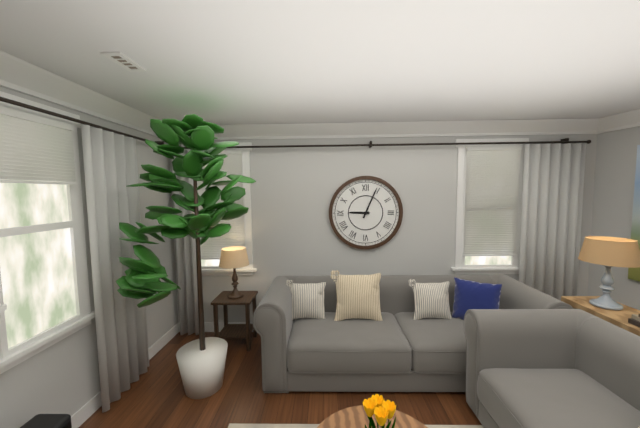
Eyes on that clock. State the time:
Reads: 9:04
